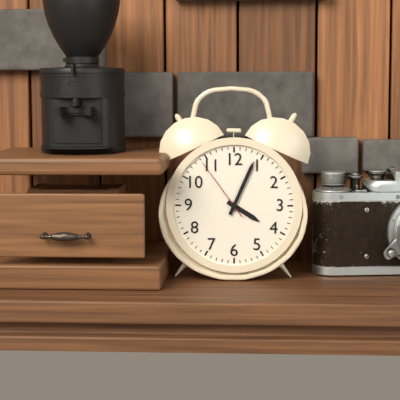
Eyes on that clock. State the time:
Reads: 4:04:54
